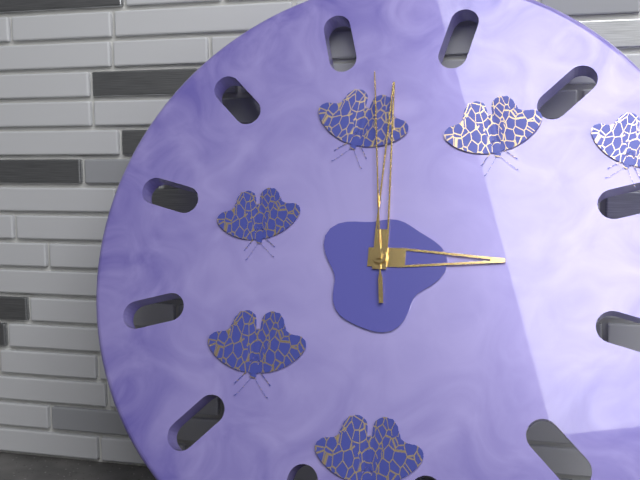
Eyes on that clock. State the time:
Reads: 3:00:59
